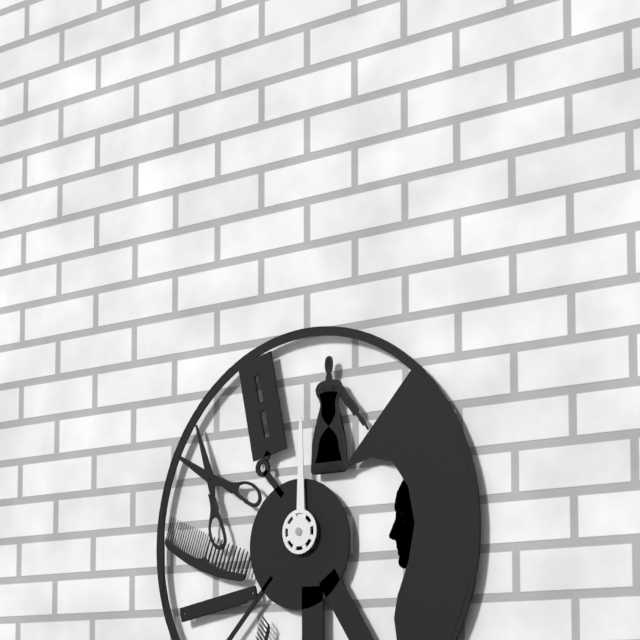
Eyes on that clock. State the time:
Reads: 12:00
